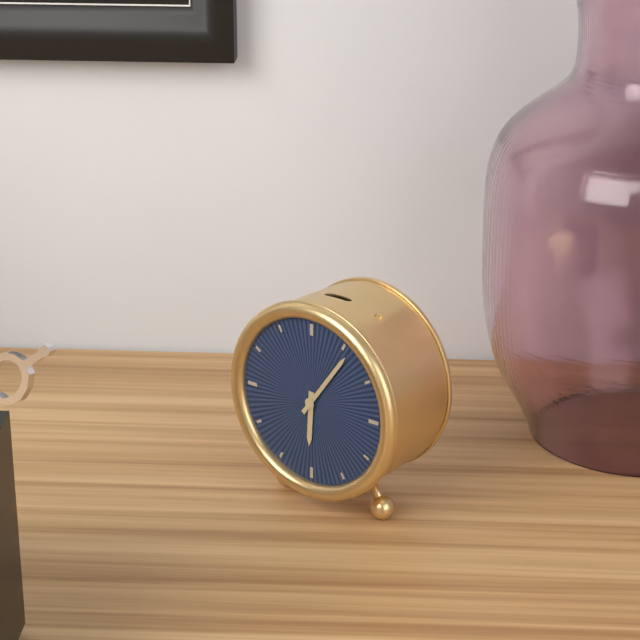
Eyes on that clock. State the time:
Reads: 6:06
